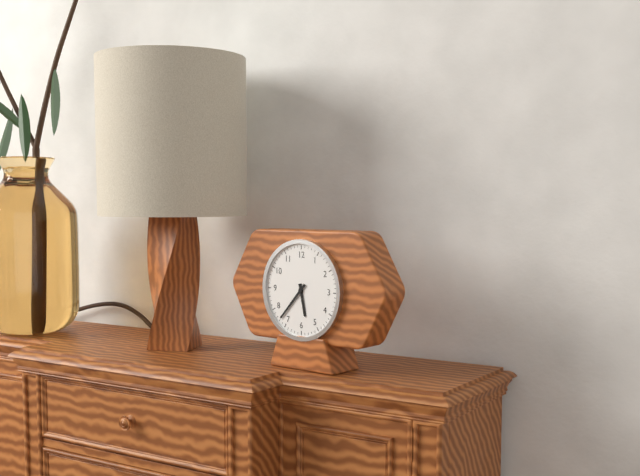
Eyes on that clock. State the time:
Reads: 5:37
